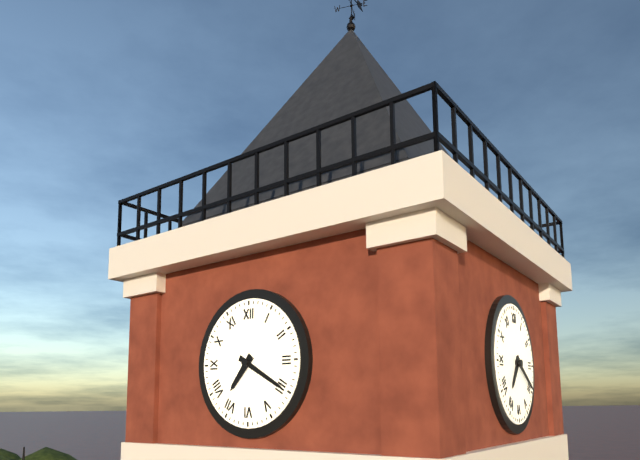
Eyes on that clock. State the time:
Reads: 7:20
